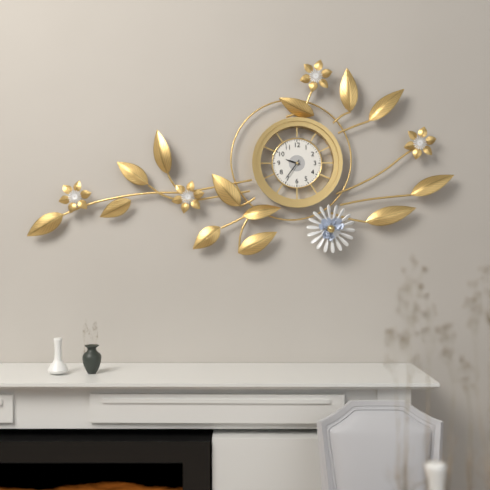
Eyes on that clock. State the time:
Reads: 9:36
